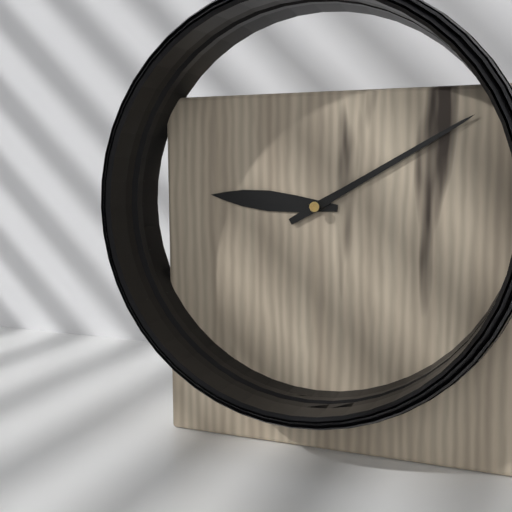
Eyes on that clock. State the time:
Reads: 9:10
